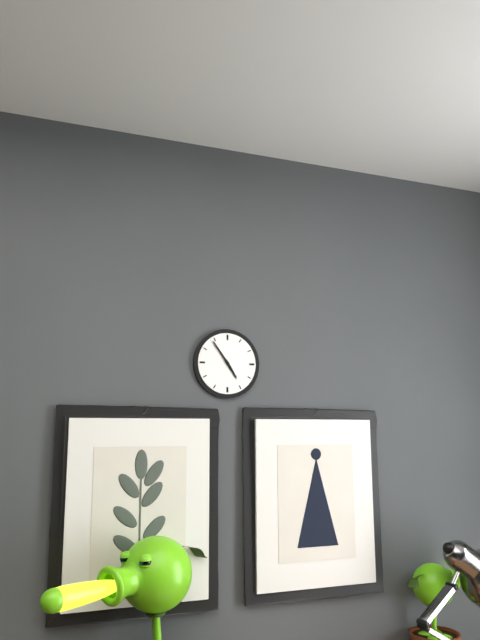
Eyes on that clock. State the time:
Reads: 4:54
